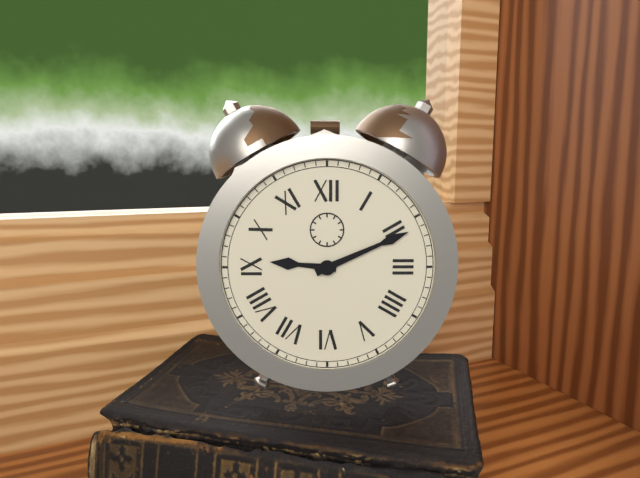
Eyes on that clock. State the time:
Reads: 9:11
